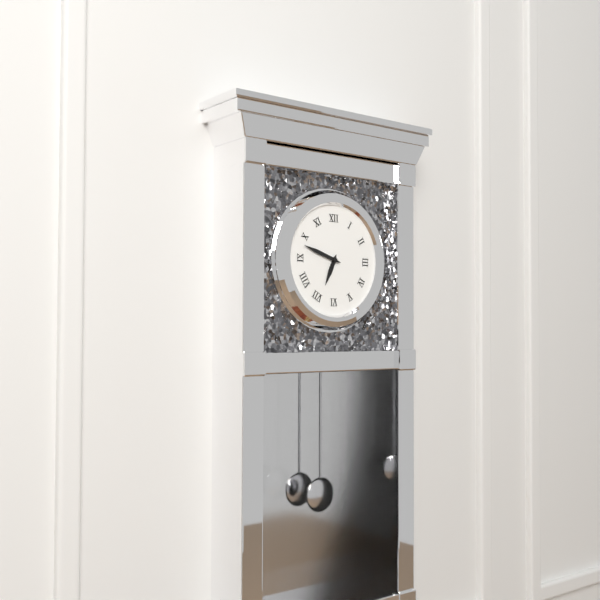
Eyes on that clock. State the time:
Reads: 6:48
